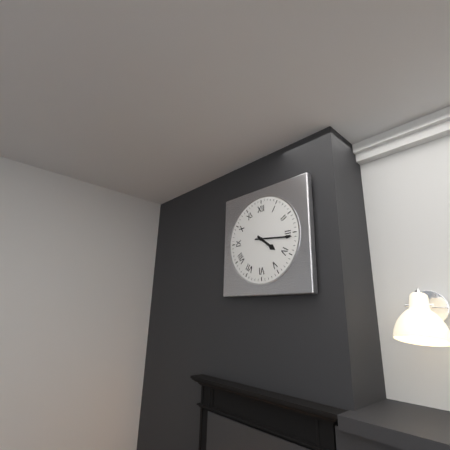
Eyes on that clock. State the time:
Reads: 4:16
